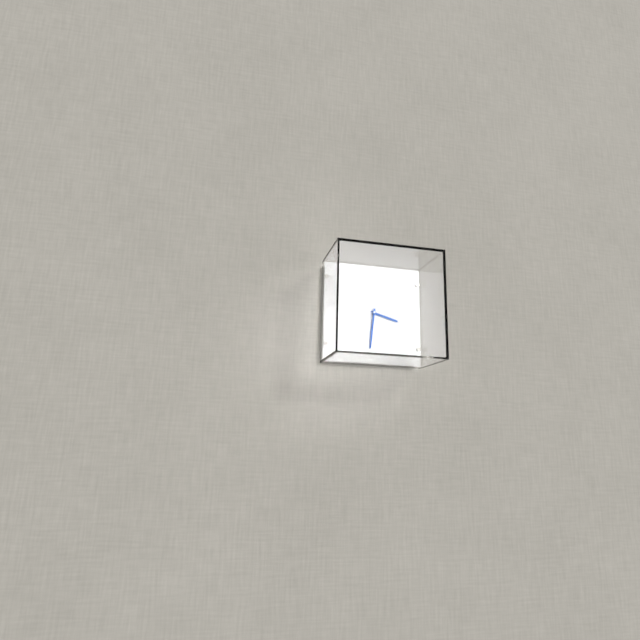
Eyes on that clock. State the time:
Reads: 3:31
